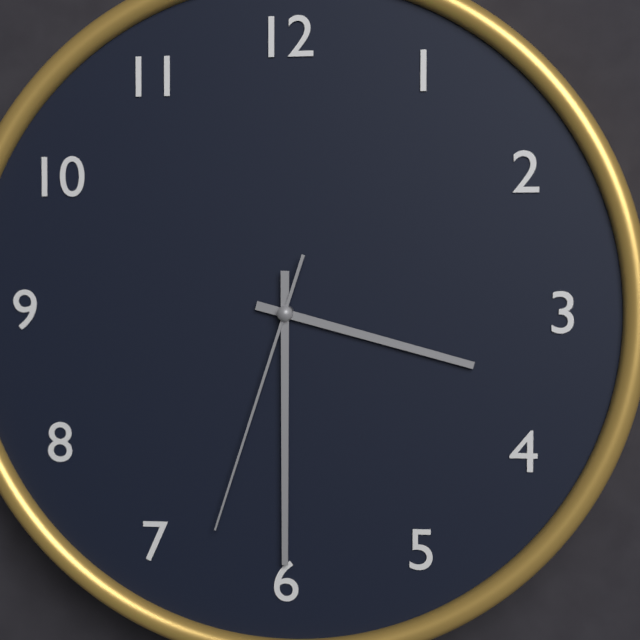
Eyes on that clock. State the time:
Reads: 3:30:33
